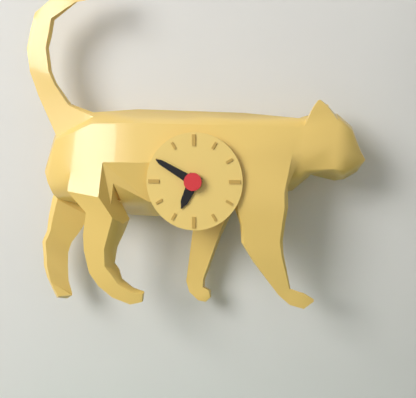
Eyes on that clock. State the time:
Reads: 6:50
